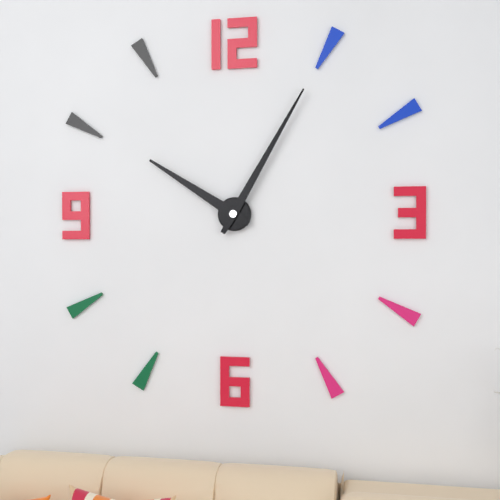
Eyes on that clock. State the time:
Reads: 10:05
